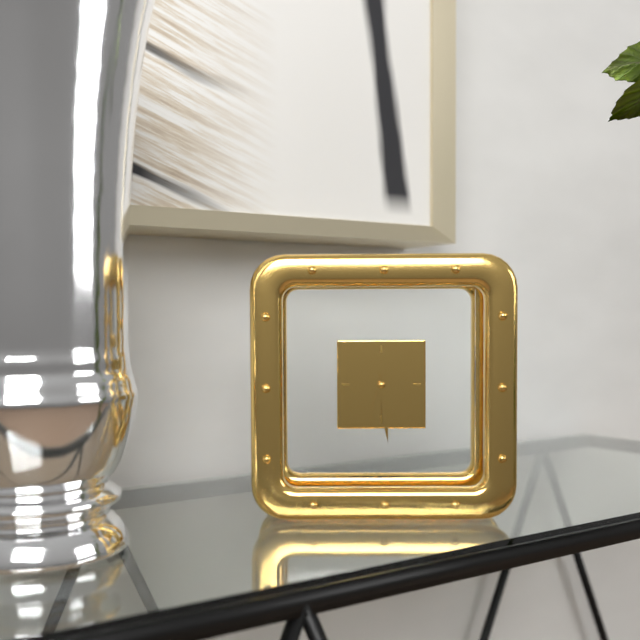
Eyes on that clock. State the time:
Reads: 6:29
